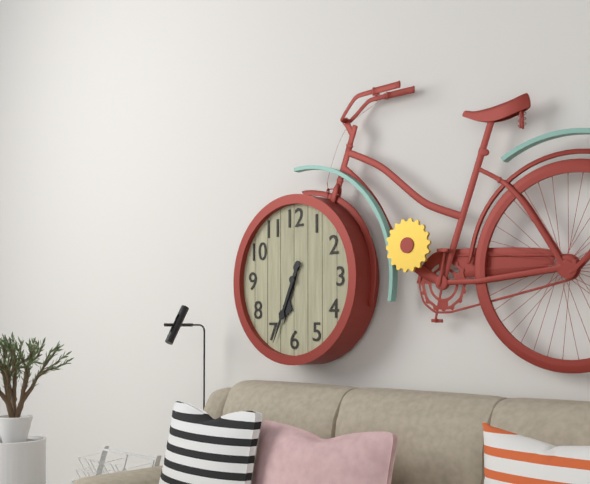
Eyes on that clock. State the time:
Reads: 6:34
